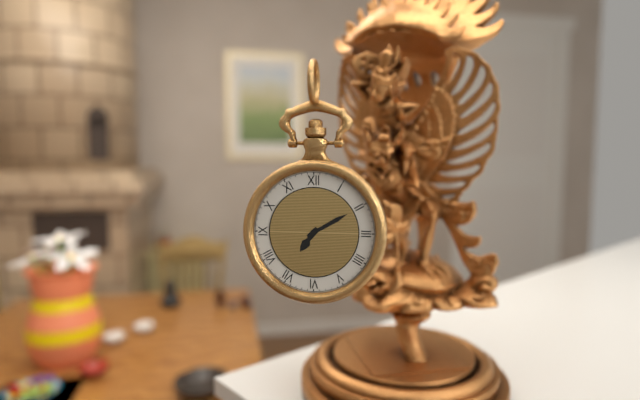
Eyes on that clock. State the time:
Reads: 7:10
